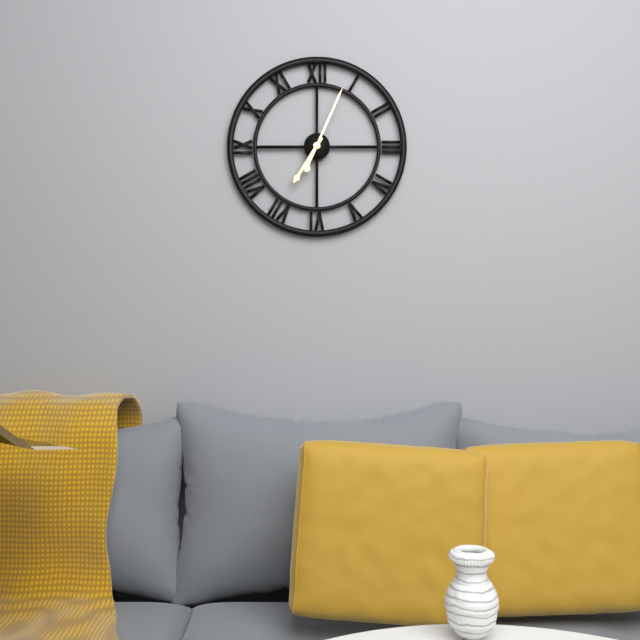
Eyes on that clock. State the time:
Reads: 7:04
